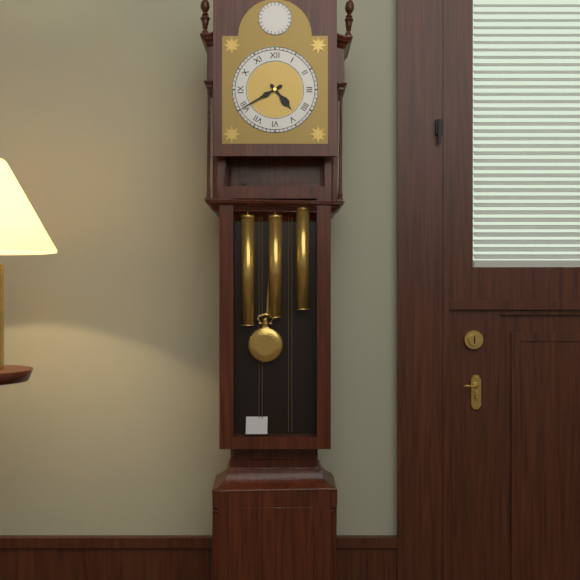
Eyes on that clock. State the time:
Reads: 4:40
